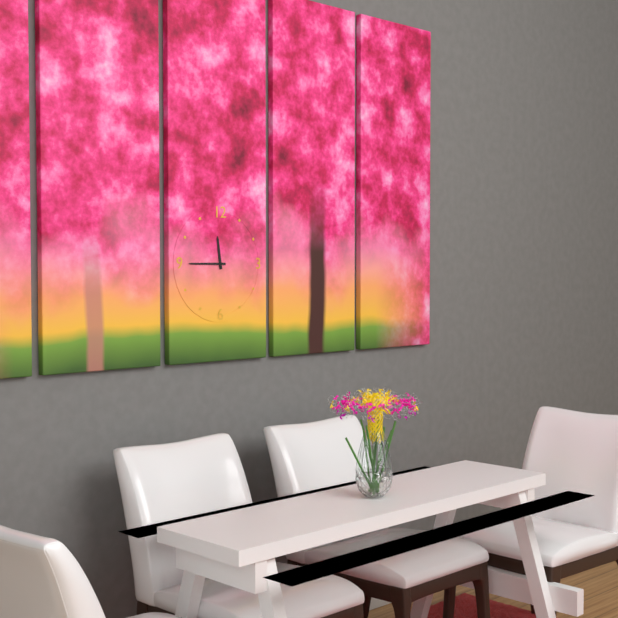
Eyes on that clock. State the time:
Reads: 11:45
